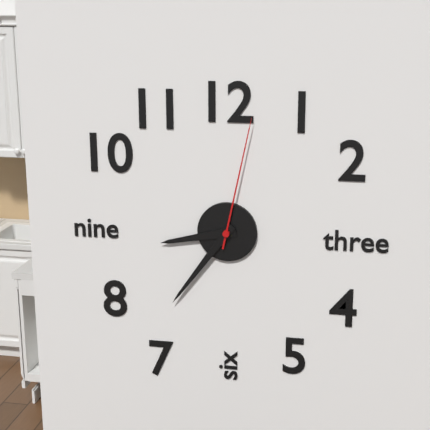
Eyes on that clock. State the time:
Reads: 8:36:02
